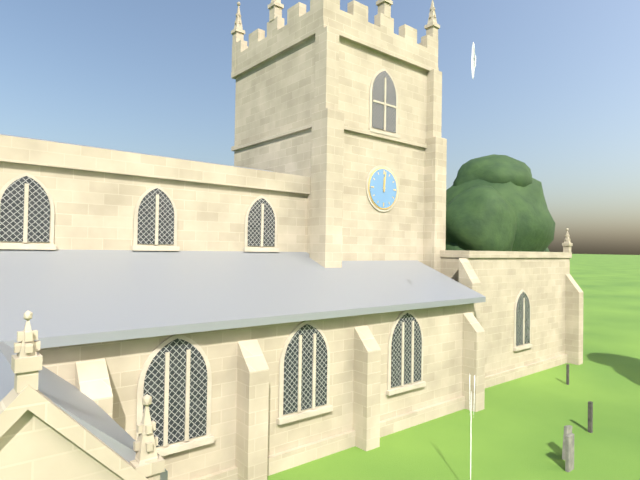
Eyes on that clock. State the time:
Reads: 12:01
